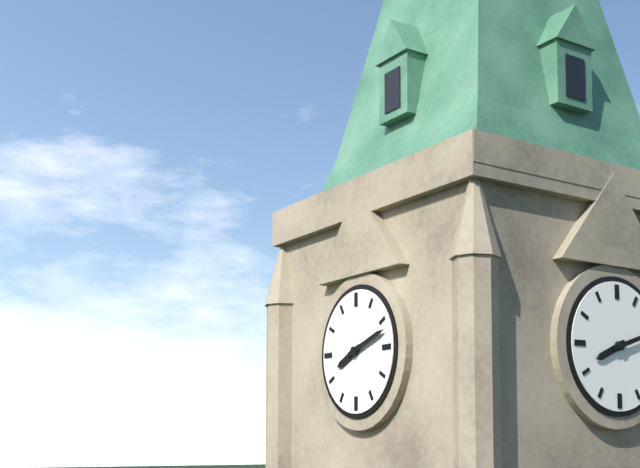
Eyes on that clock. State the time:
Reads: 8:12
